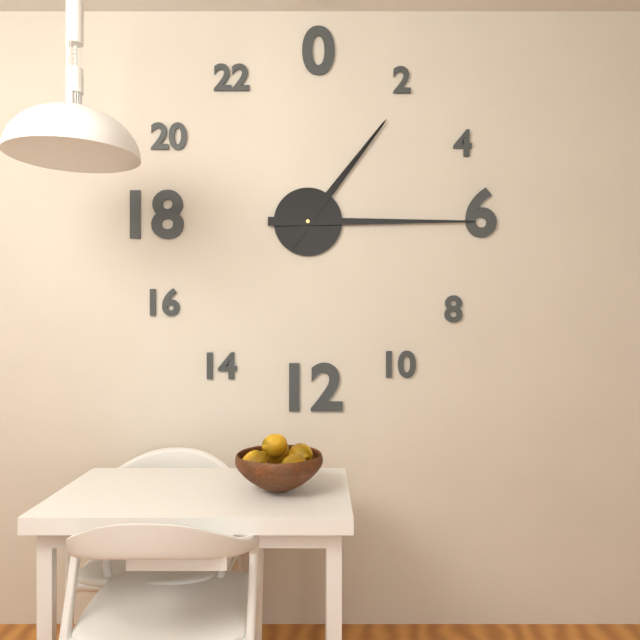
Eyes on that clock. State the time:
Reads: 1:15
